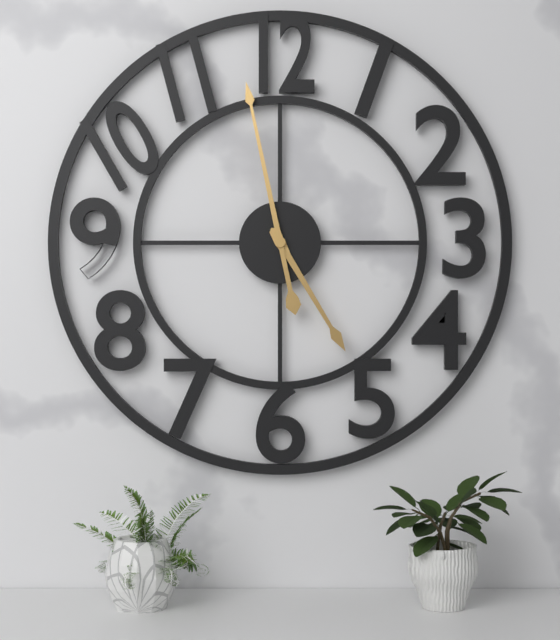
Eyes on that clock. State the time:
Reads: 4:58
